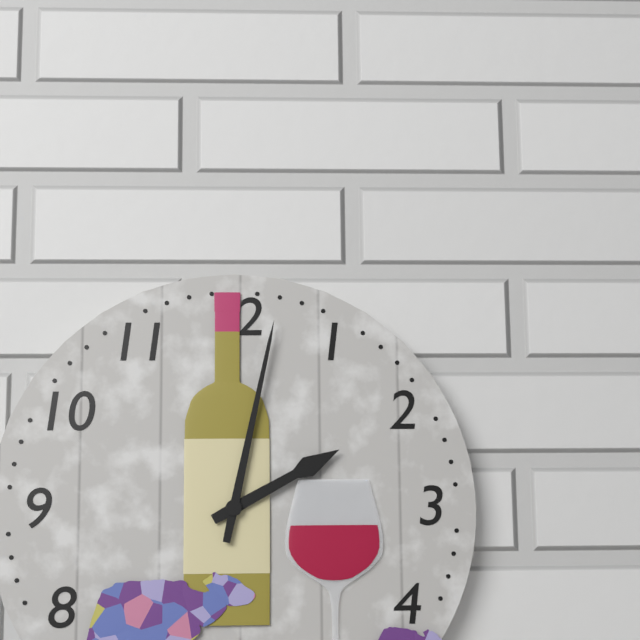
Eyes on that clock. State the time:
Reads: 2:02
